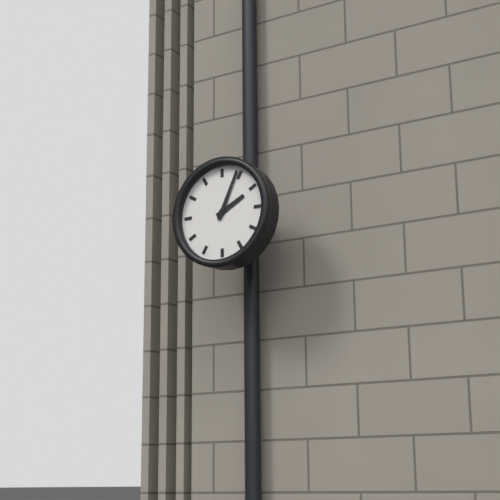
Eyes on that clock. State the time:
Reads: 2:04
